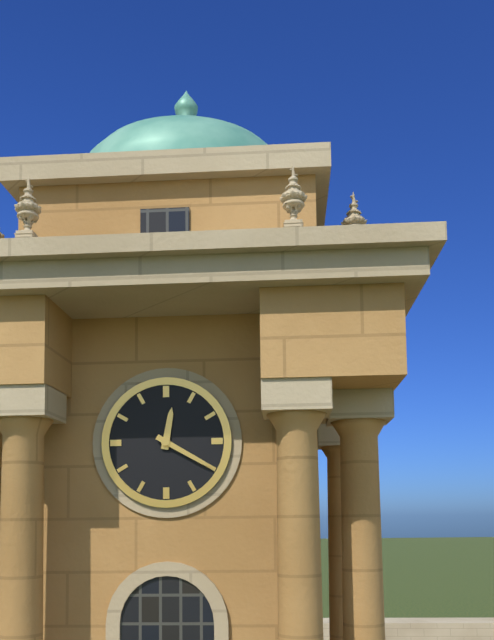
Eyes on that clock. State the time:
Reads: 12:20
